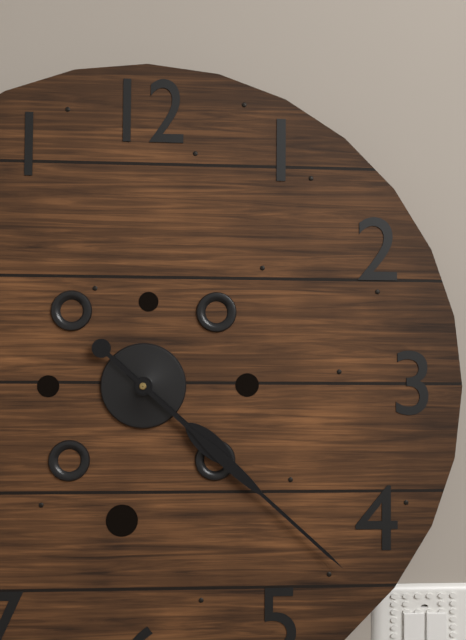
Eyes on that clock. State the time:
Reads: 4:22
